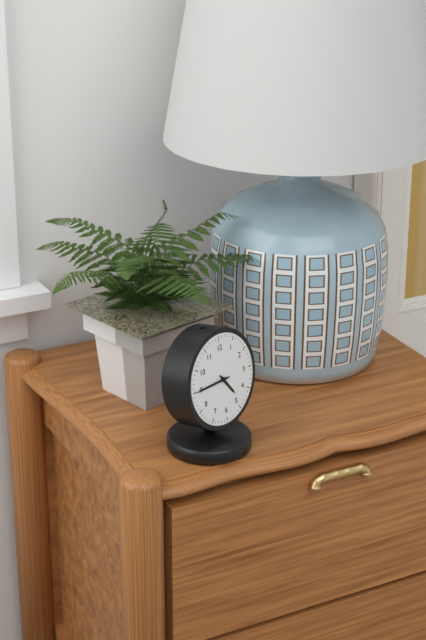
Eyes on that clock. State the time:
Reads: 4:45
